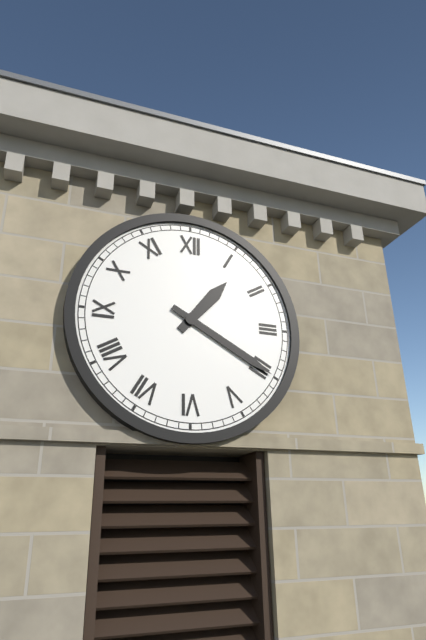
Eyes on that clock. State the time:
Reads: 1:20
